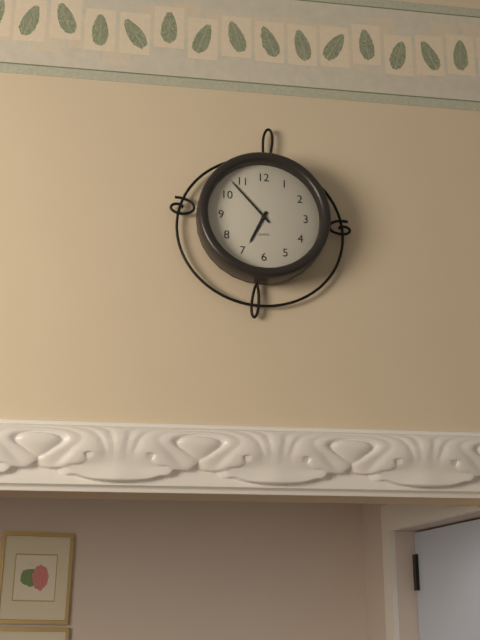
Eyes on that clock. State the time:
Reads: 6:53
